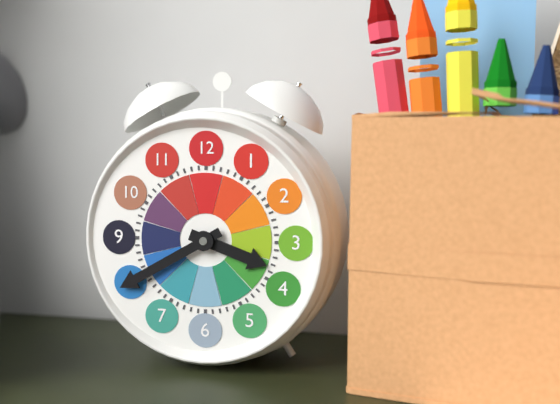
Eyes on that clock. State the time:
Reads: 3:40
